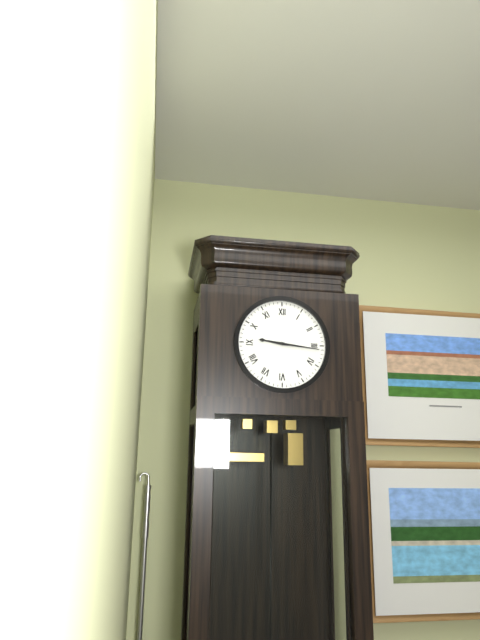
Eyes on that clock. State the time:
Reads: 9:16
